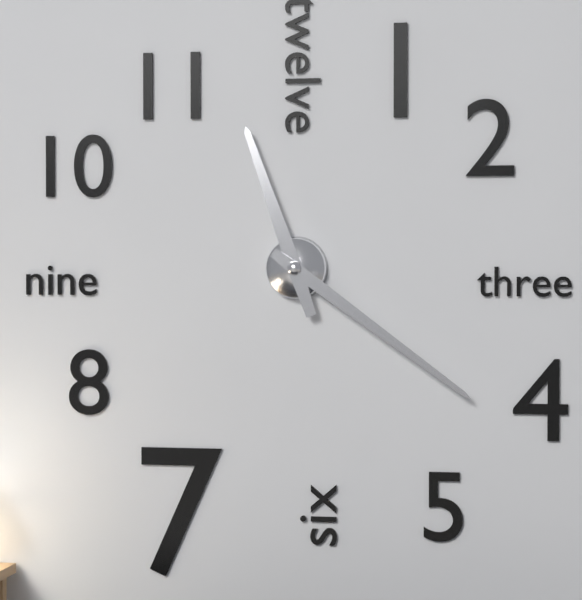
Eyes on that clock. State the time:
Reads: 11:21
